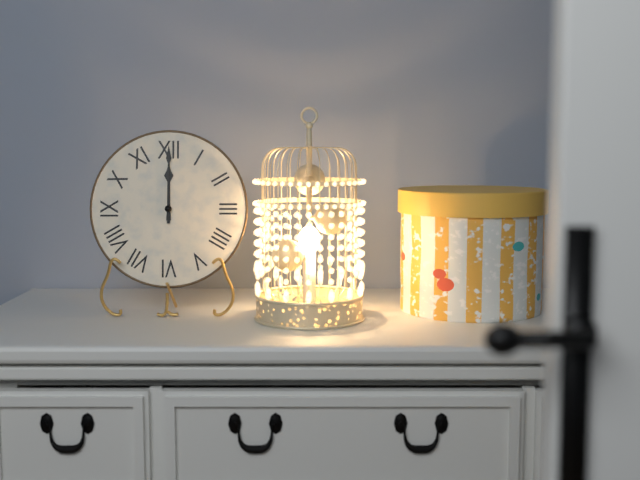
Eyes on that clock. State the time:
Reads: 12:00
